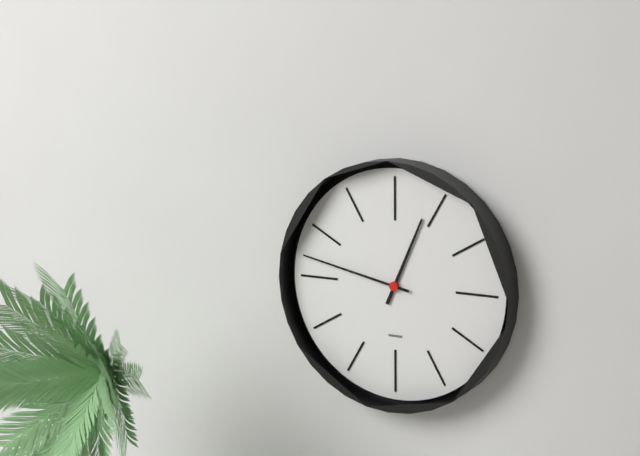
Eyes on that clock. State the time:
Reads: 12:47
